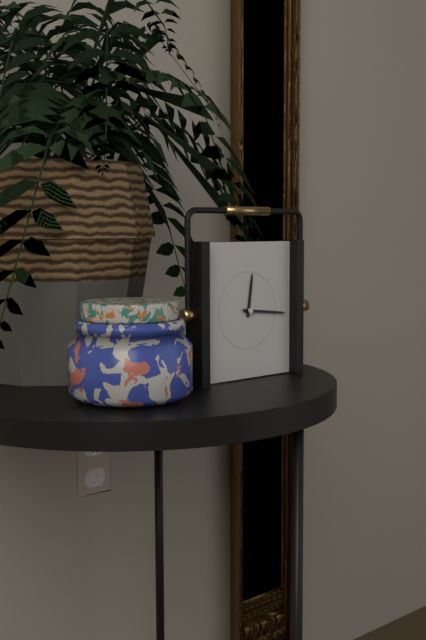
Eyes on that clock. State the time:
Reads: 12:16
